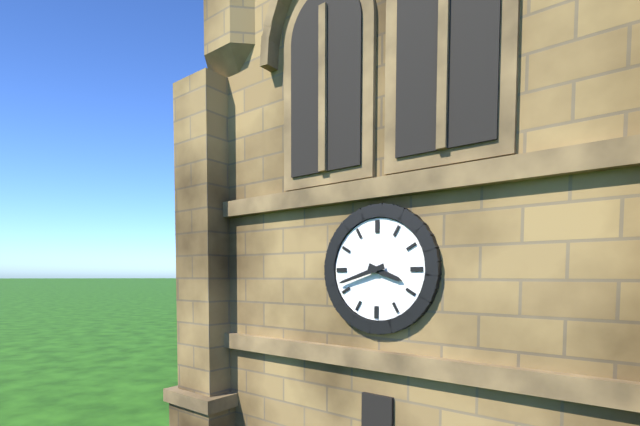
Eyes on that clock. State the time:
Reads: 3:42
